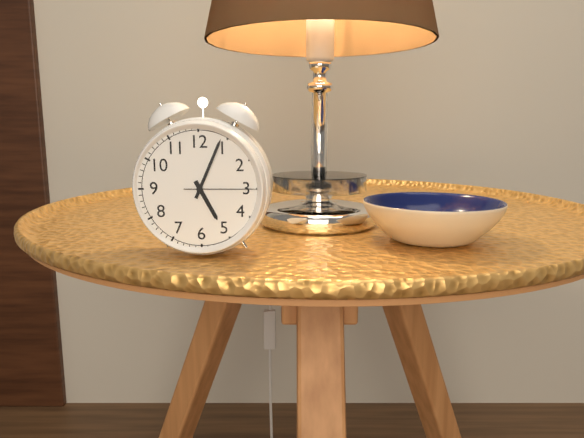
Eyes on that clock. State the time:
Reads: 5:04:15
